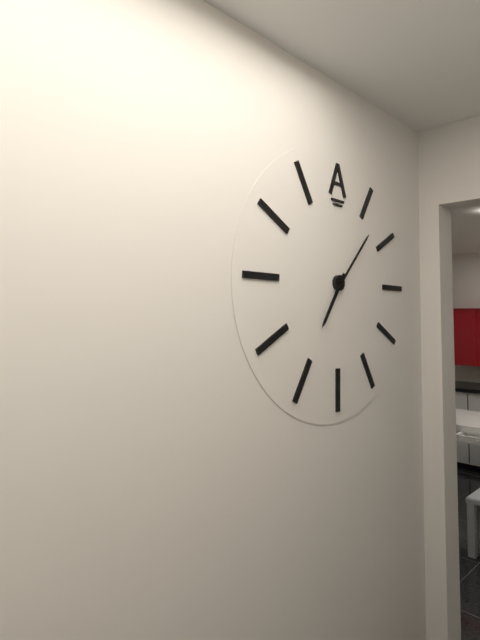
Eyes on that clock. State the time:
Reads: 7:07
